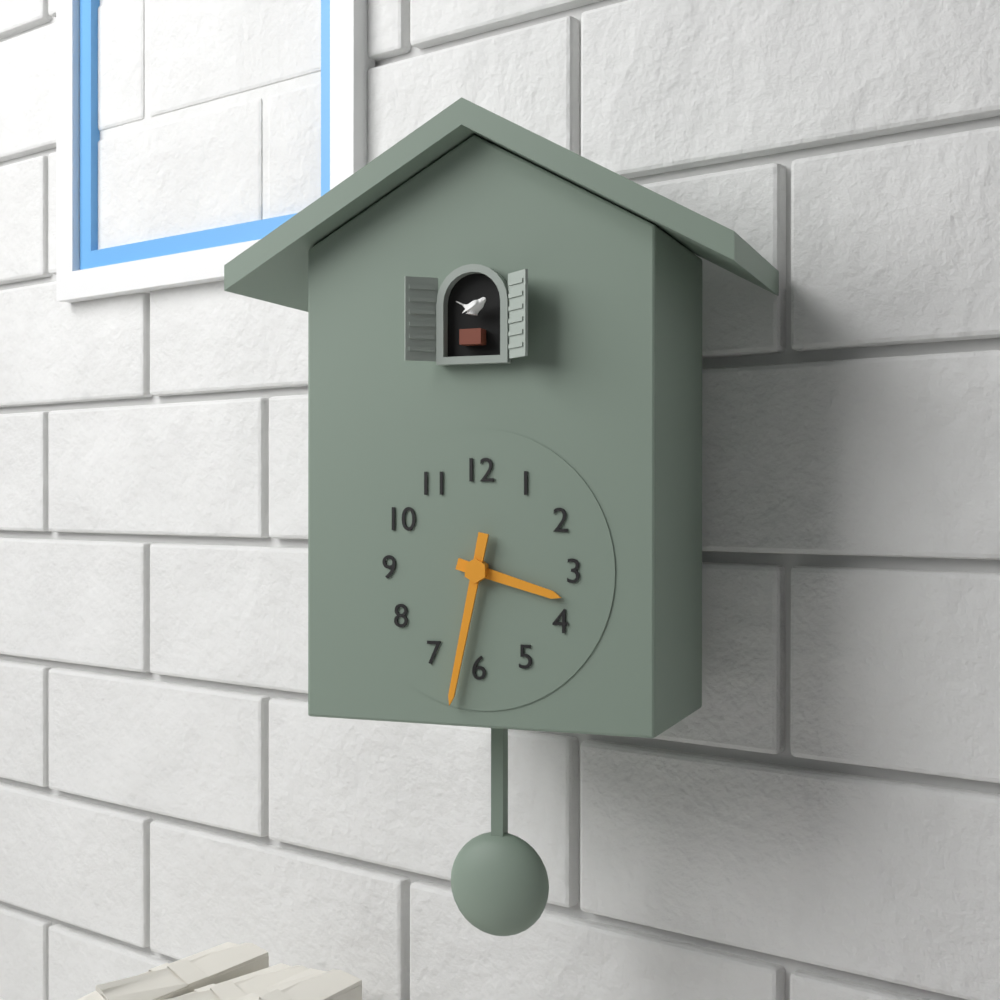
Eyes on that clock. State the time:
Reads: 3:32
